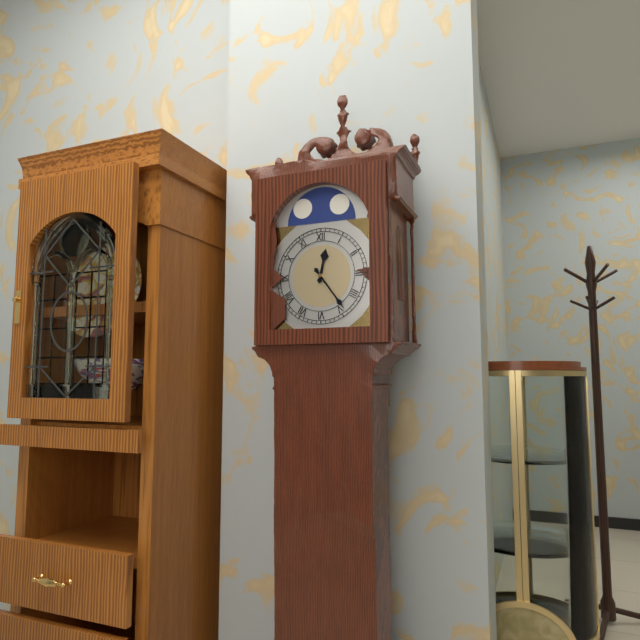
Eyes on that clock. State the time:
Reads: 12:24
